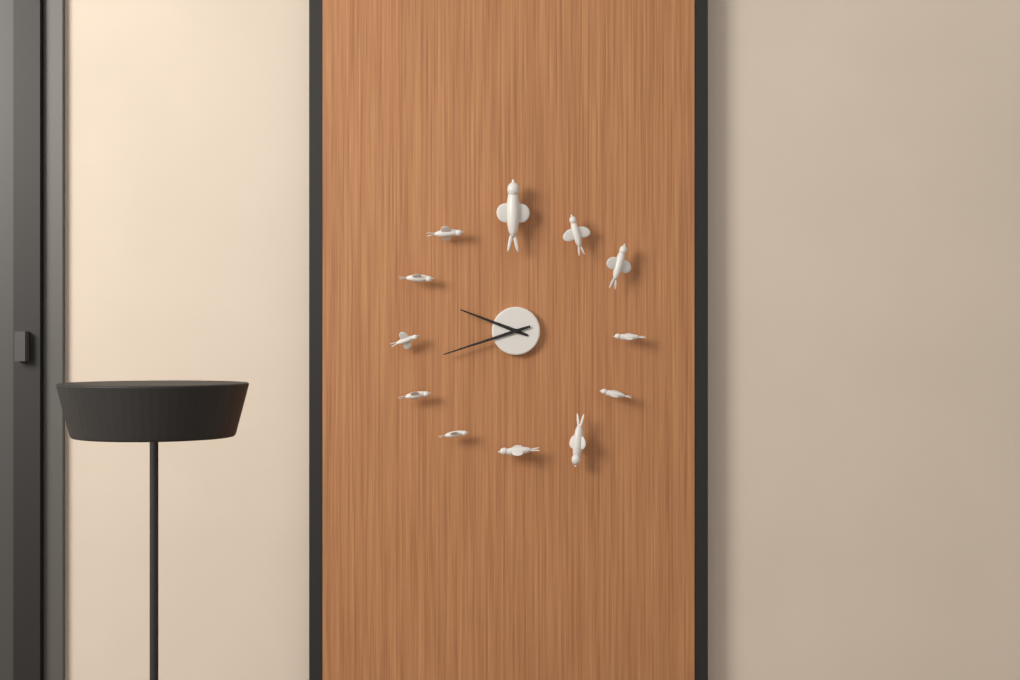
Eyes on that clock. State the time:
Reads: 9:42
